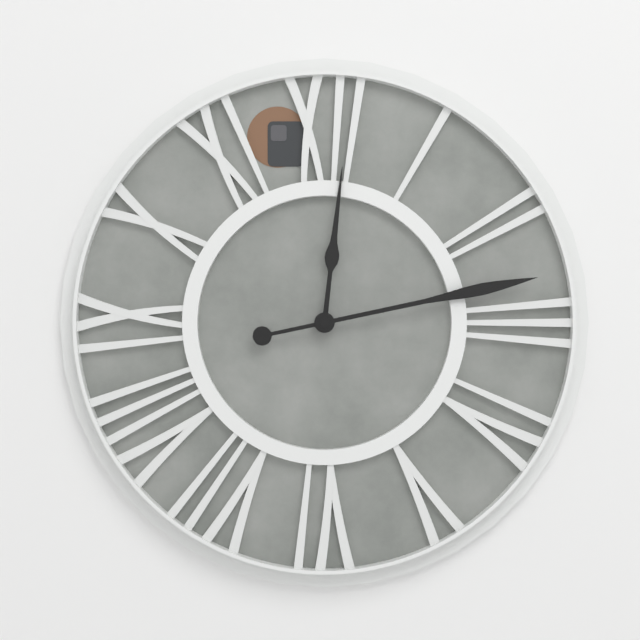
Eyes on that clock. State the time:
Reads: 12:13
